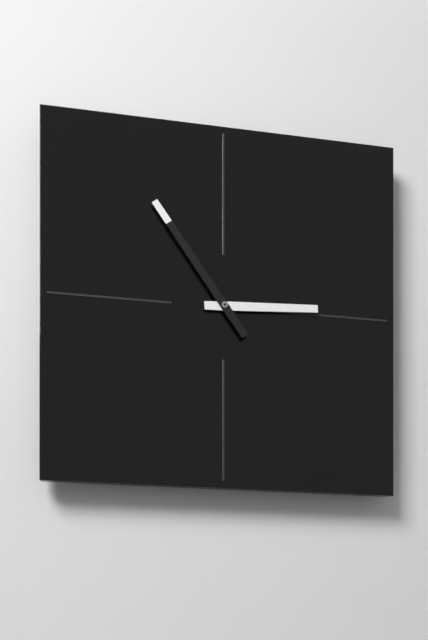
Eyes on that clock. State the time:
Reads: 2:54
